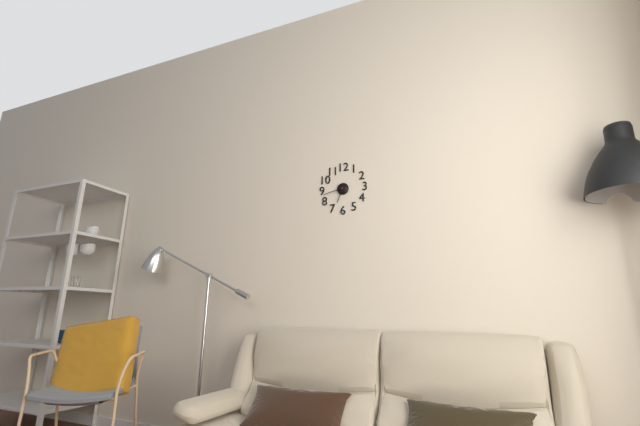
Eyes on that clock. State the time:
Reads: 6:43
